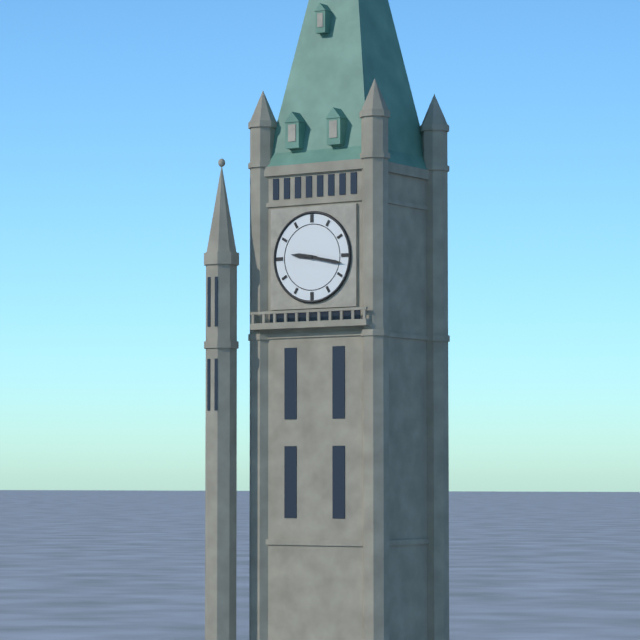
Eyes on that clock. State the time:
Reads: 9:17
